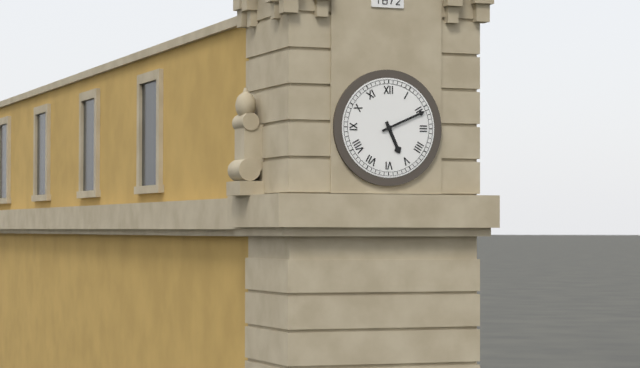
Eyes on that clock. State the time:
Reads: 5:11
